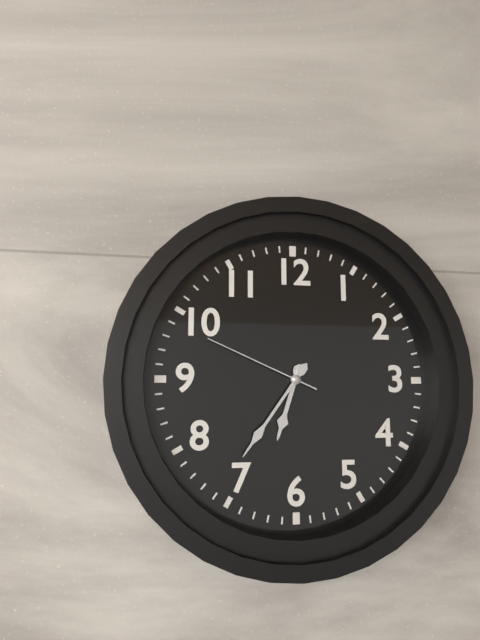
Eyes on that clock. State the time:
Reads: 6:36:49
